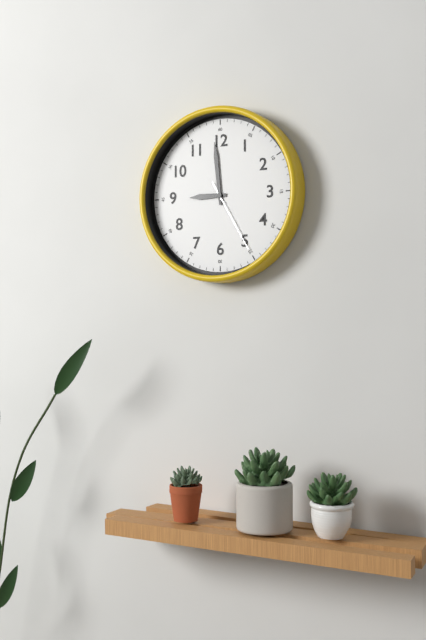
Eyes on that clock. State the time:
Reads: 8:59:25
